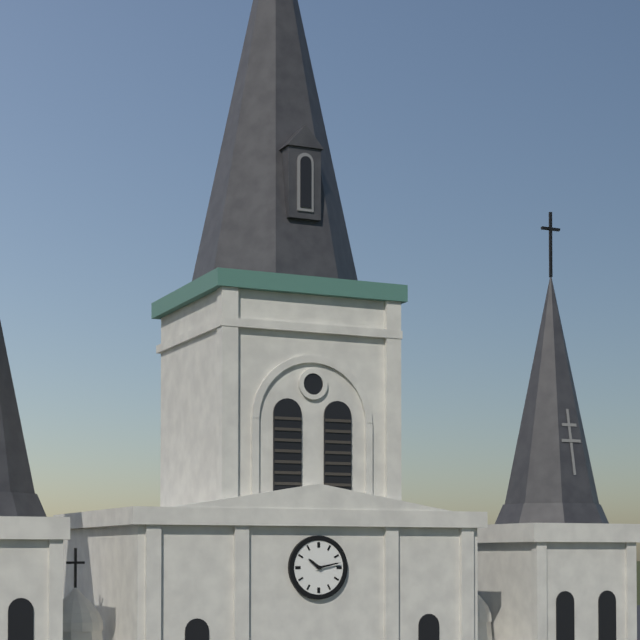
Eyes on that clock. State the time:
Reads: 10:13
